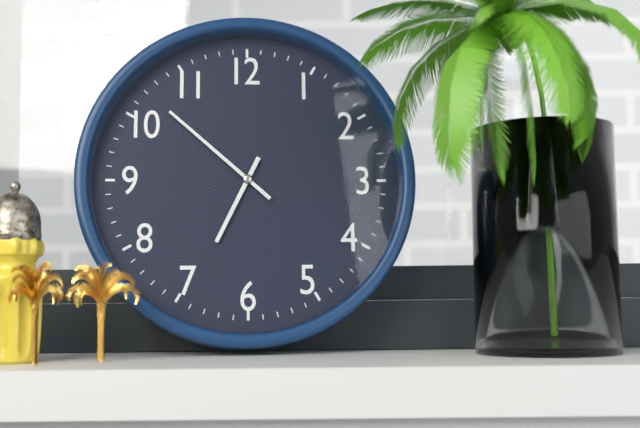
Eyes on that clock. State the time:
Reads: 6:52
